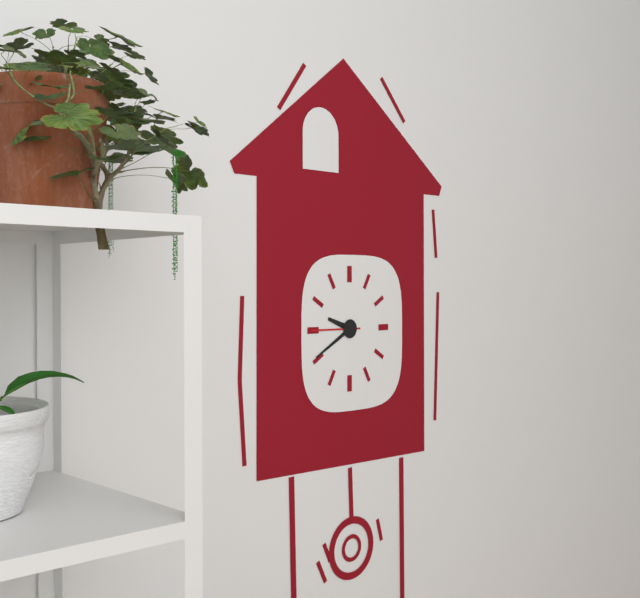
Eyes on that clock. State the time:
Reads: 9:40
